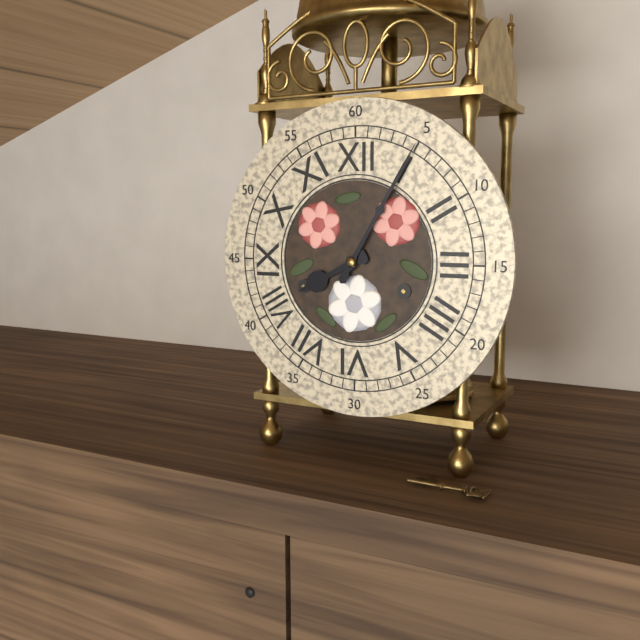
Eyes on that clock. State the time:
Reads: 8:05
